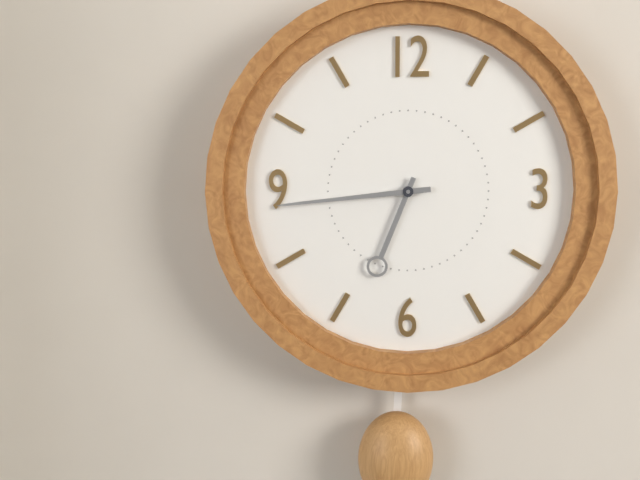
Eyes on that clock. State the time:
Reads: 6:44
